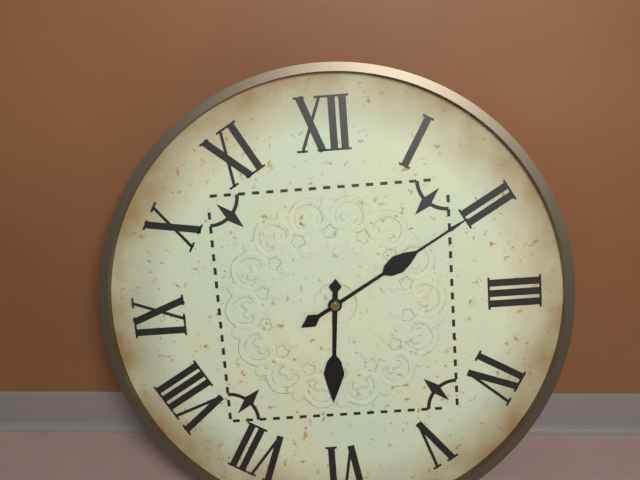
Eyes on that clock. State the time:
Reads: 6:10
